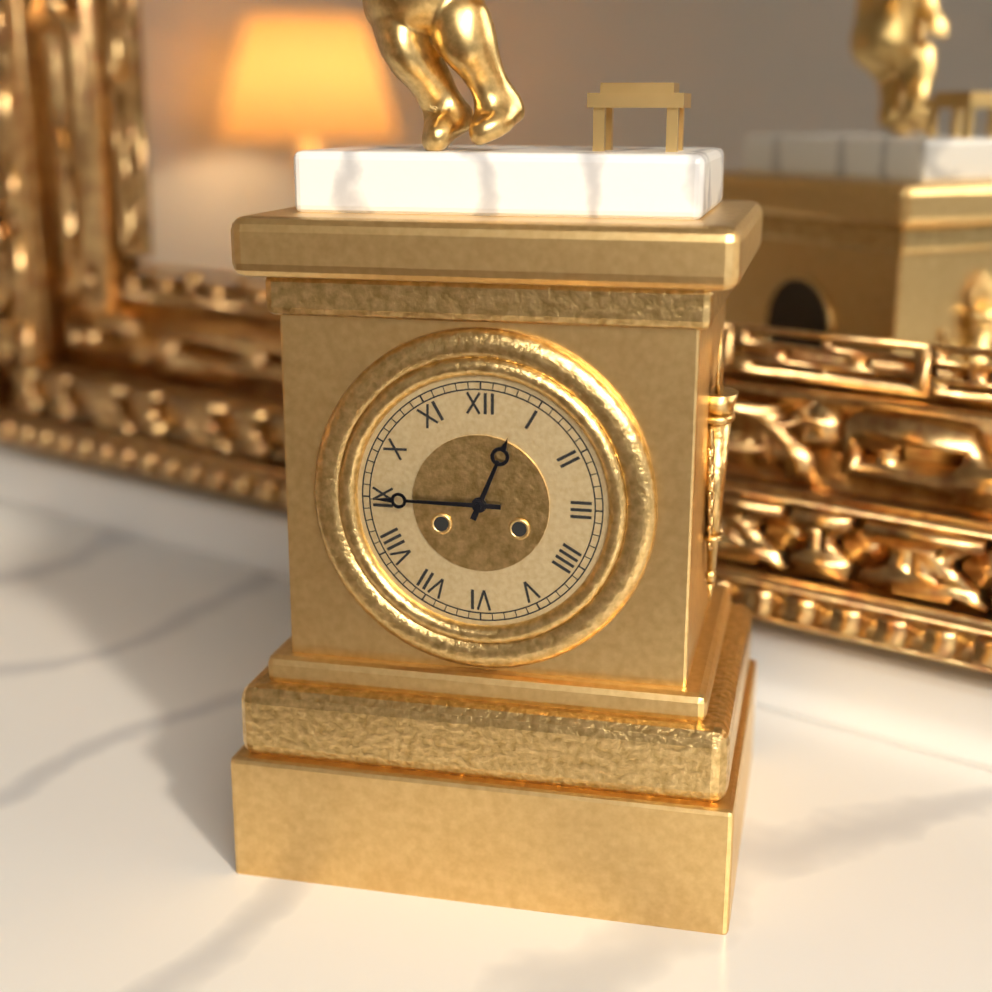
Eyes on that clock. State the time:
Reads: 12:45
